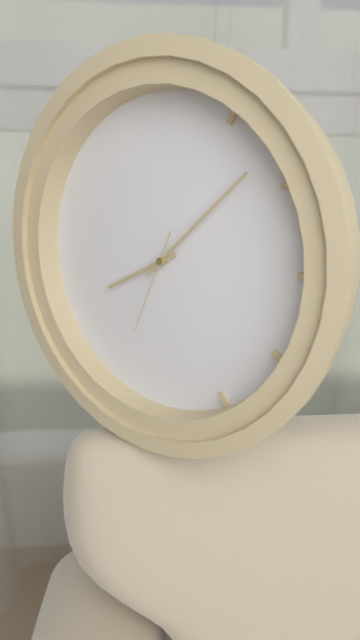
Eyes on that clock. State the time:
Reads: 8:08:34
